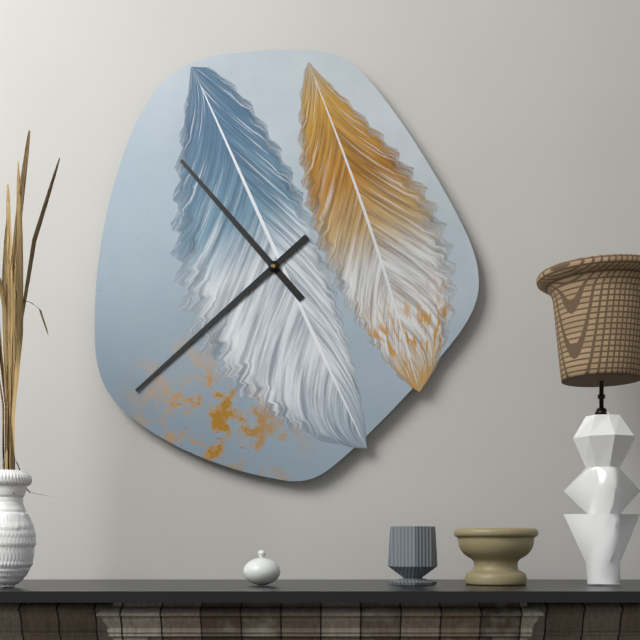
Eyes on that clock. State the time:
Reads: 10:38
